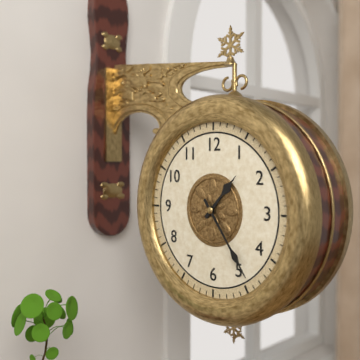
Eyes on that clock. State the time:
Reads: 1:24
